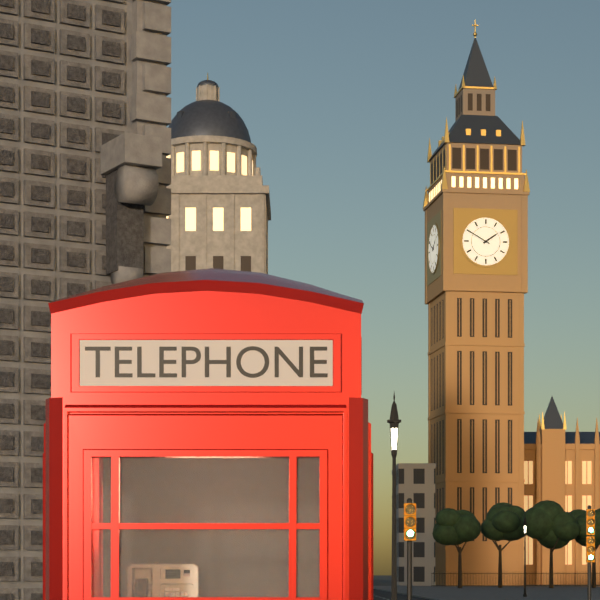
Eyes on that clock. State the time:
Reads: 1:50
